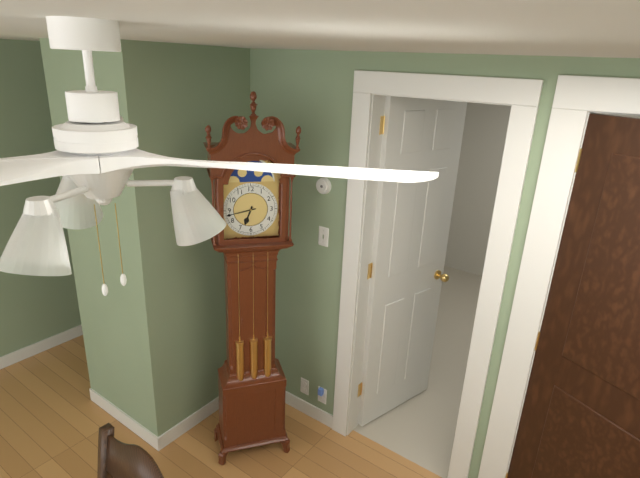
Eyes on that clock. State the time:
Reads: 6:43
